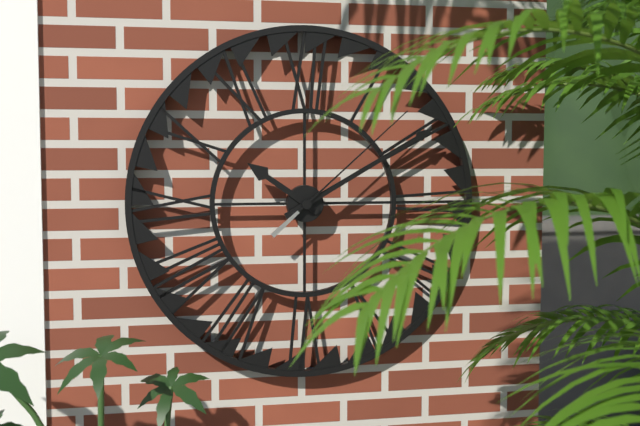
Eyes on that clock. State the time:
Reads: 10:10:08
